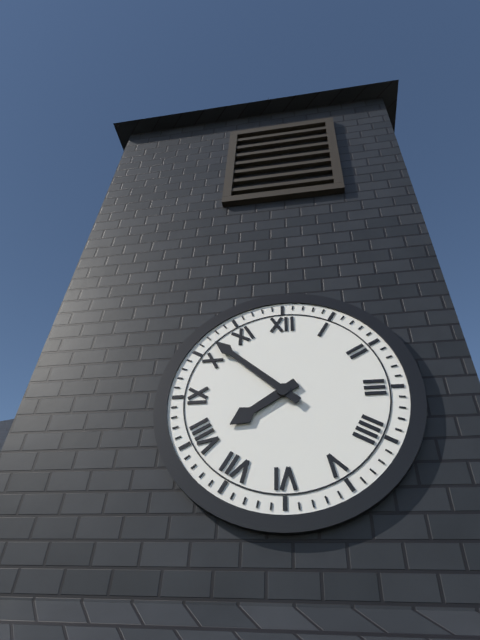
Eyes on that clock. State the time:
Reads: 7:52
